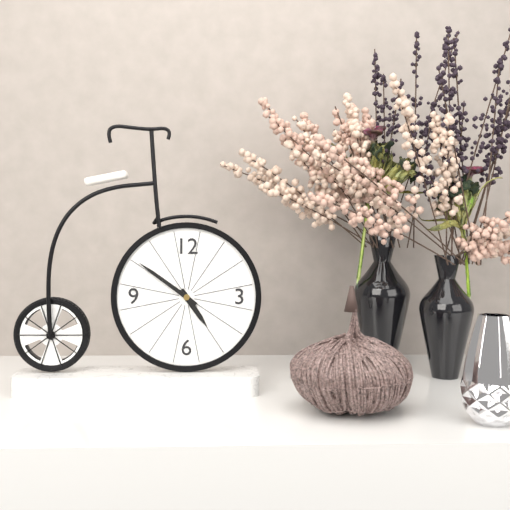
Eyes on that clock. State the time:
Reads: 4:51
